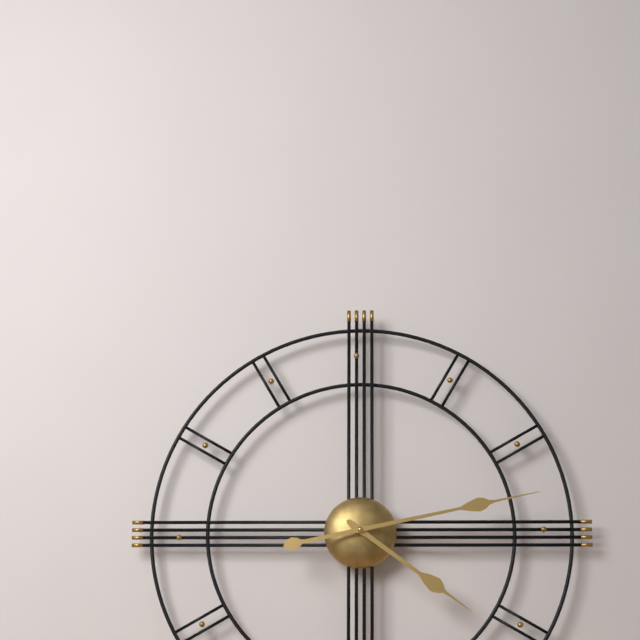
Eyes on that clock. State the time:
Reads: 4:13
